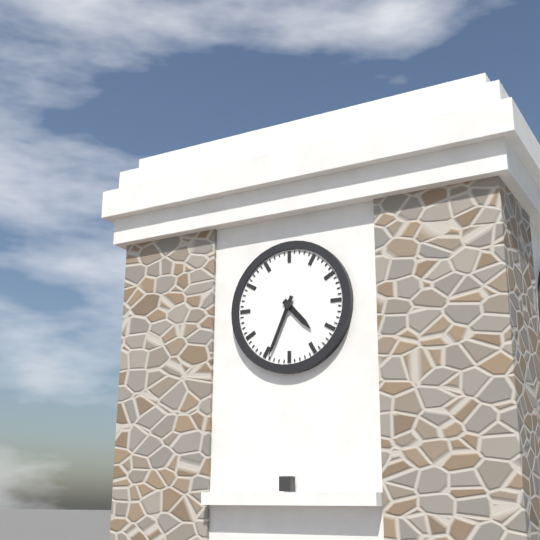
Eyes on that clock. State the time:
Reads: 4:34
